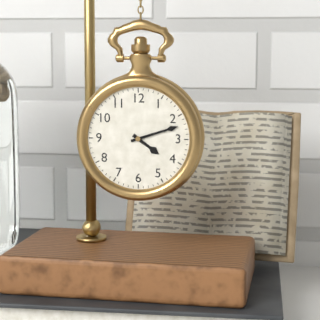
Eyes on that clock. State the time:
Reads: 4:12
